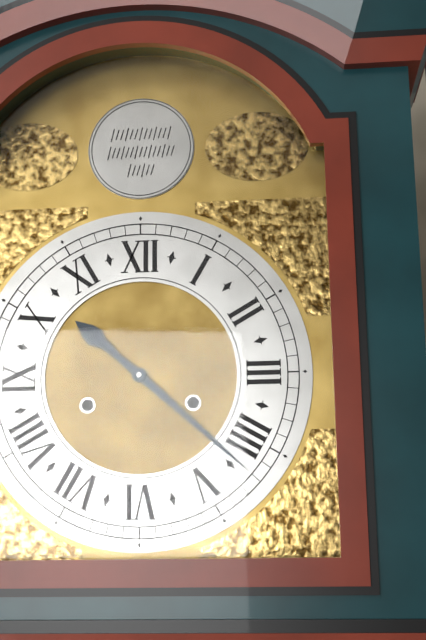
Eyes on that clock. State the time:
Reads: 10:22
